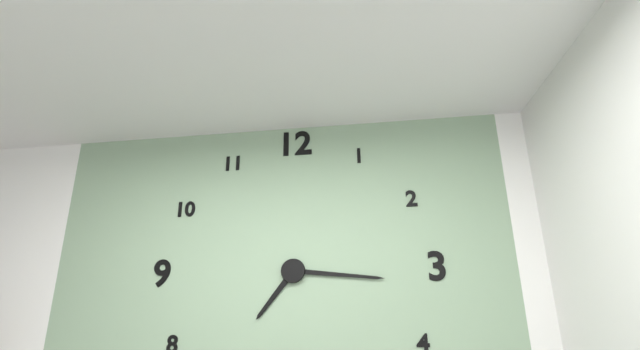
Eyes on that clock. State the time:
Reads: 7:16
